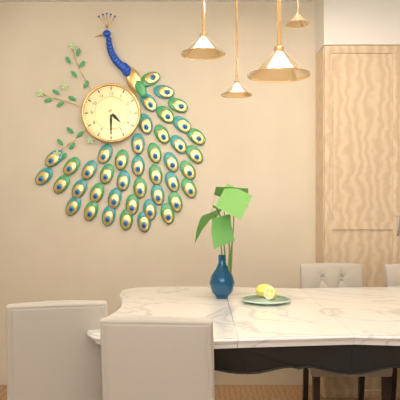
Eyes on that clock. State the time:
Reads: 4:30
